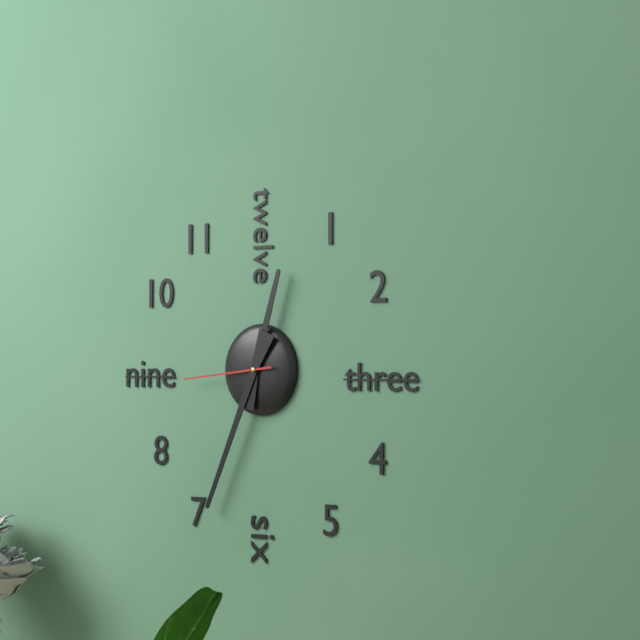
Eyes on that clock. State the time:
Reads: 12:34:44
